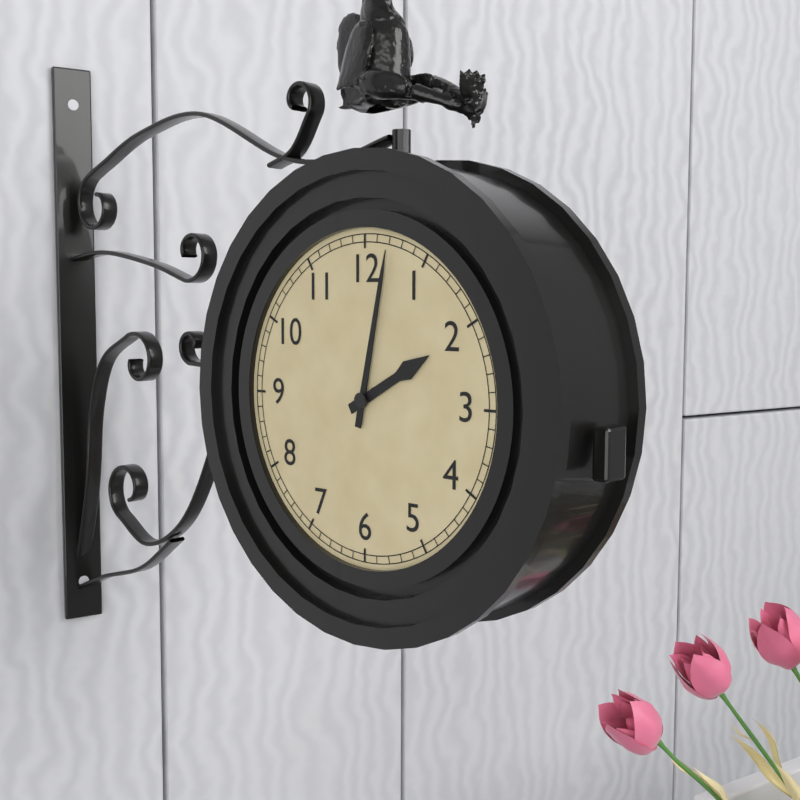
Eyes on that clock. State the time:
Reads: 2:02
